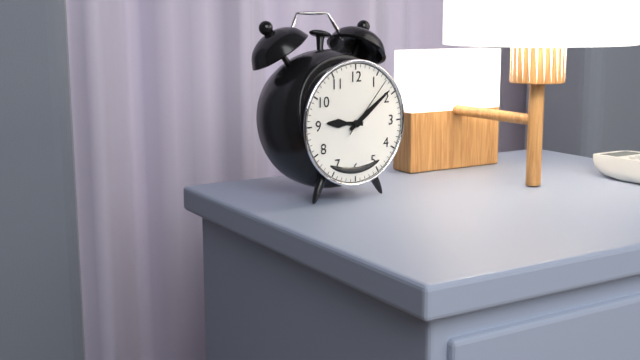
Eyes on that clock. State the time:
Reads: 9:09:07
